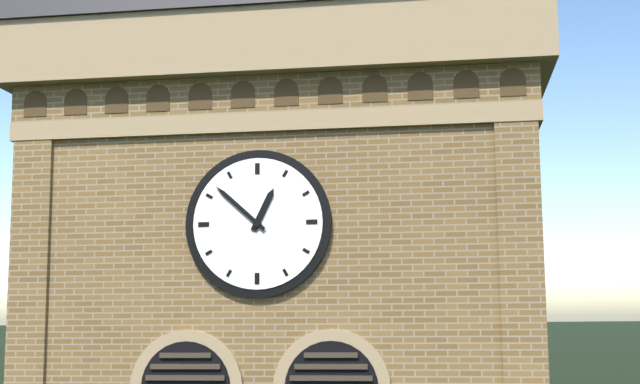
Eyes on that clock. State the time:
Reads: 12:52
